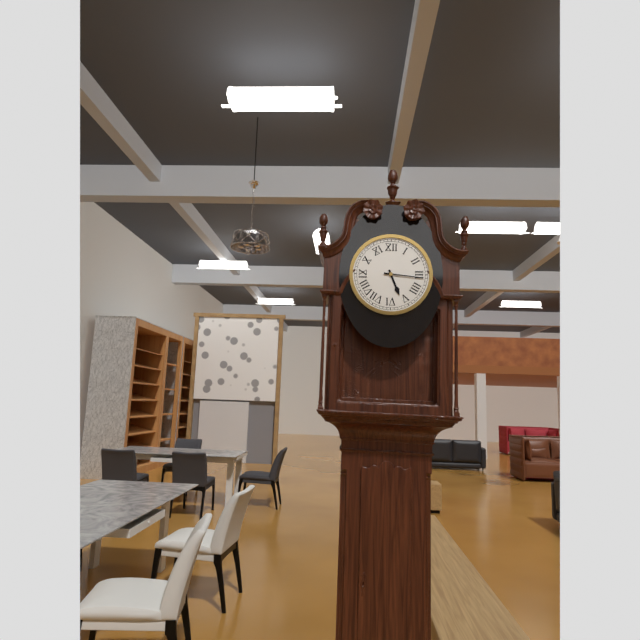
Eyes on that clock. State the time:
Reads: 5:16
